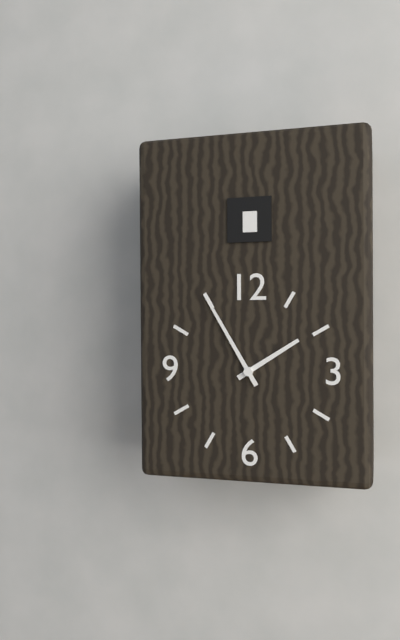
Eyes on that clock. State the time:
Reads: 1:55
